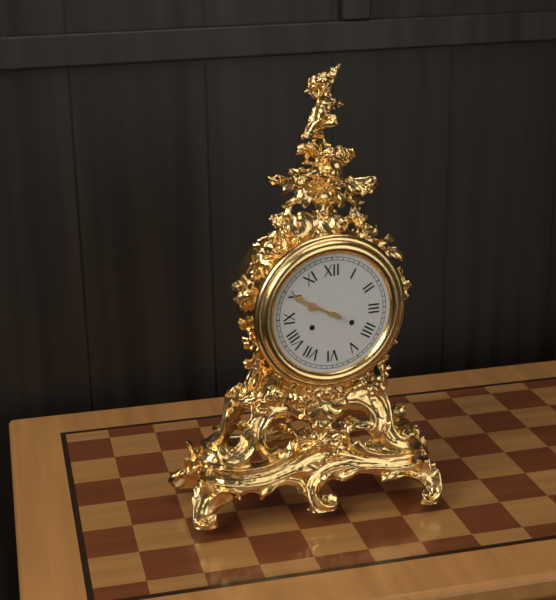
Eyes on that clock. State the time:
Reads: 9:50
